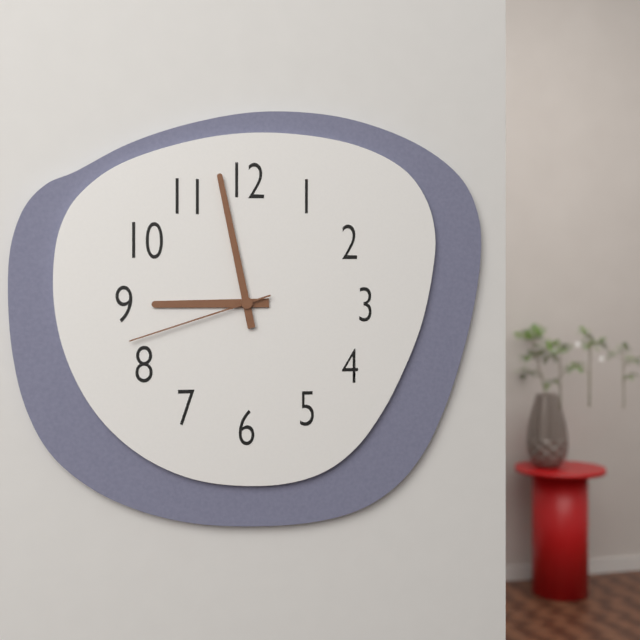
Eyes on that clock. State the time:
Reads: 8:58:42
